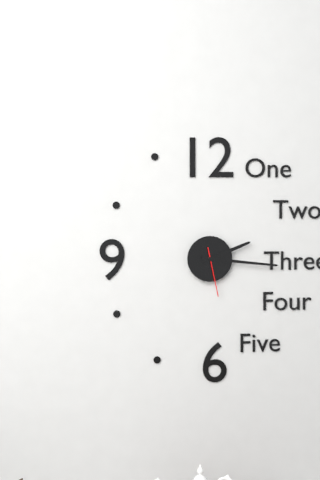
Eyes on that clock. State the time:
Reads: 2:16
